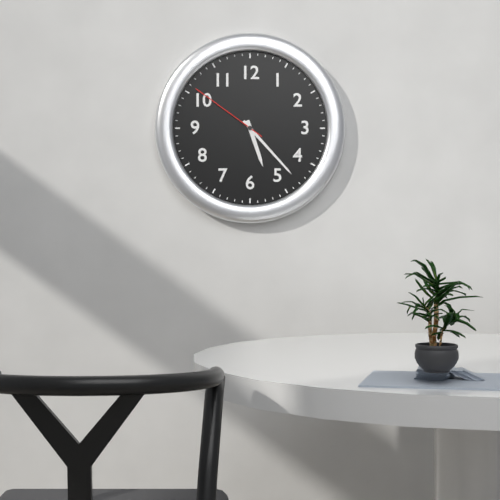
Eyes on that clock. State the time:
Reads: 5:23:51
